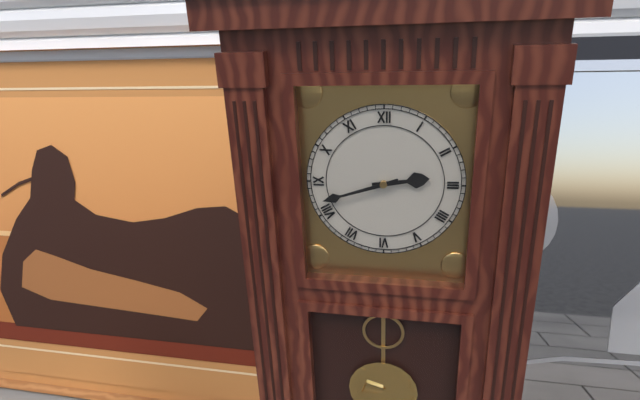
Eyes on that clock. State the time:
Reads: 2:42
